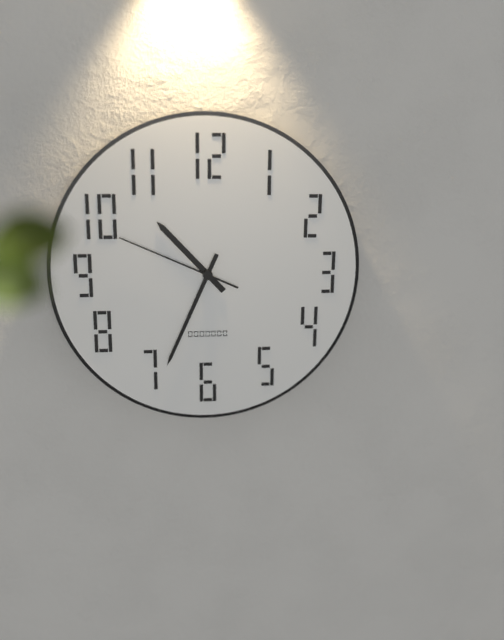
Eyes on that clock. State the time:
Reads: 10:34:49
